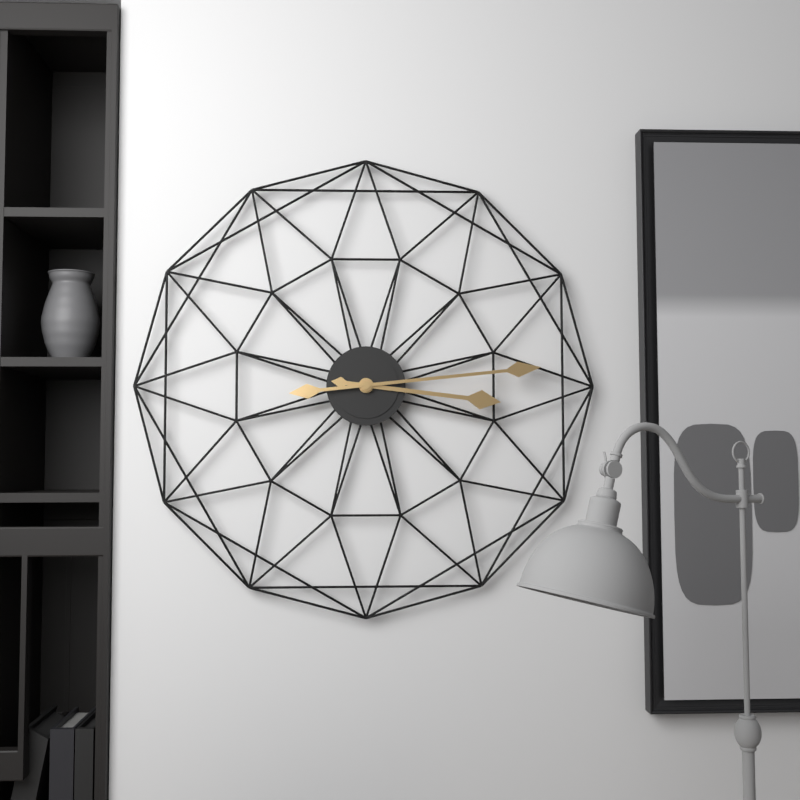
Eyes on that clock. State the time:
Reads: 3:14
